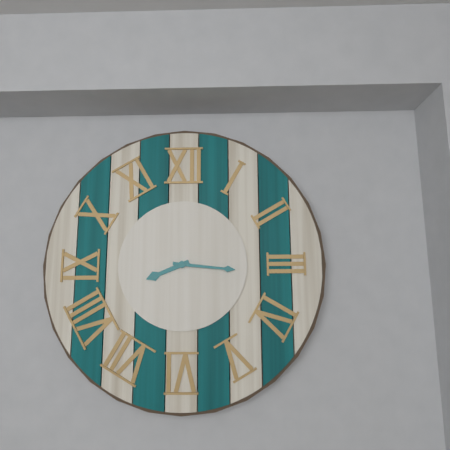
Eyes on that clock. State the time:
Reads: 8:16
